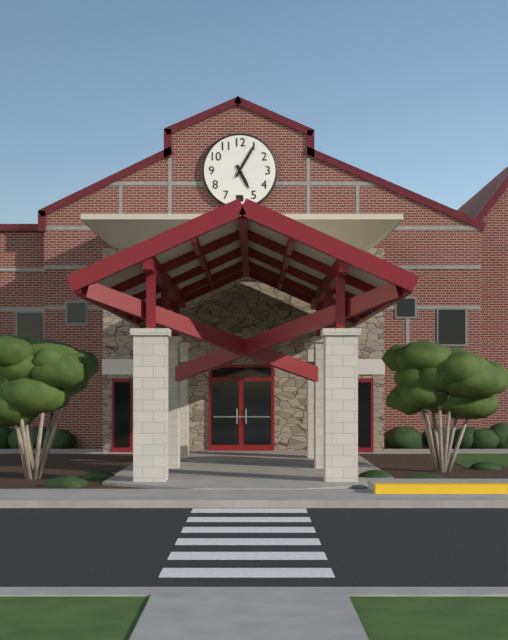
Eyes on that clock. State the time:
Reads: 5:05
